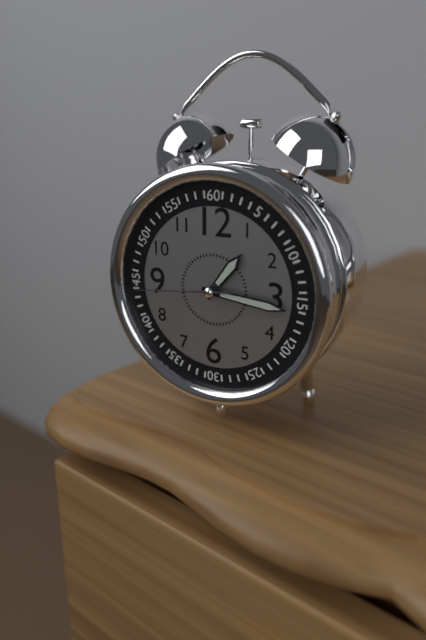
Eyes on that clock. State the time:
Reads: 1:16:44
